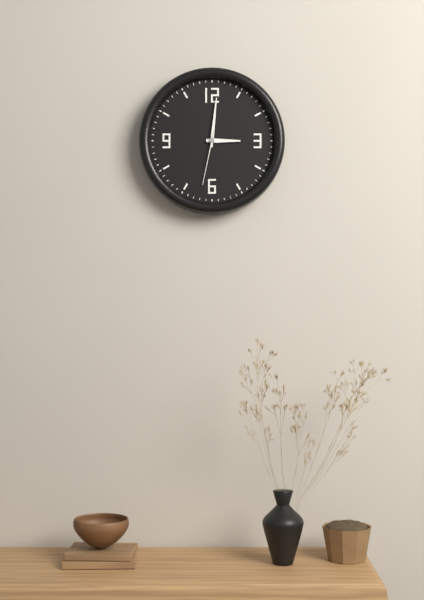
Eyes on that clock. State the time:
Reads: 3:01:32
